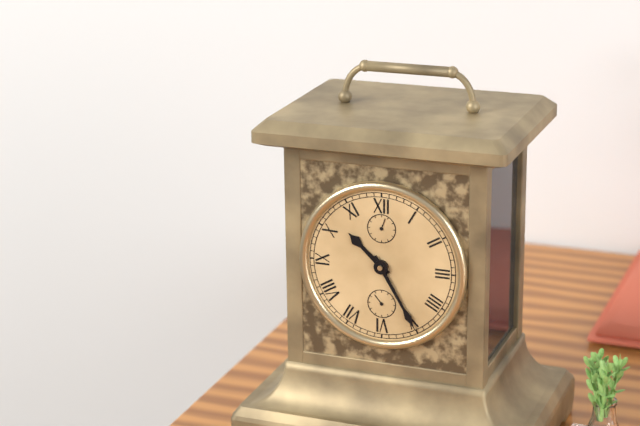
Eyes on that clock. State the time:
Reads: 10:25
